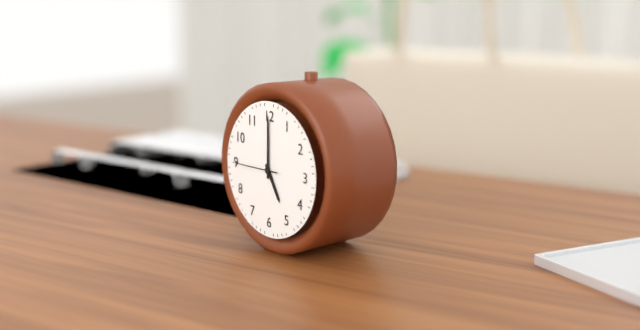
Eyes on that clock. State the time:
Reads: 5:00
